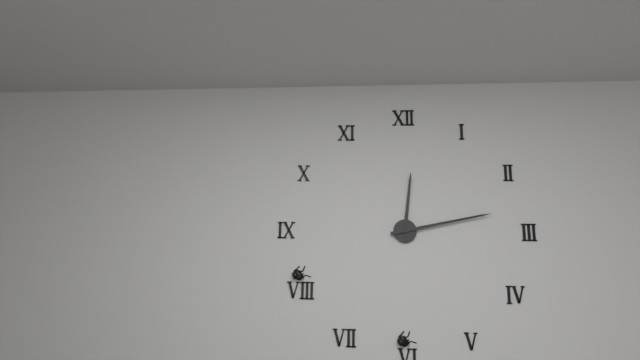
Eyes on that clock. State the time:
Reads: 12:13
